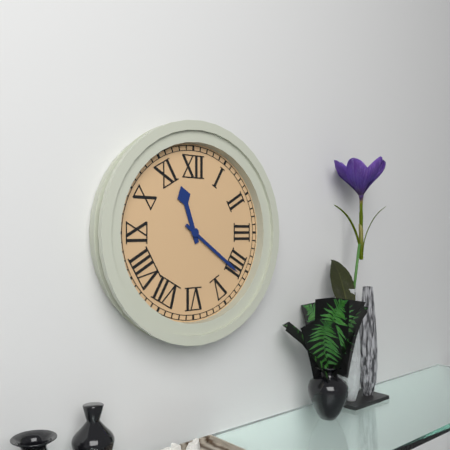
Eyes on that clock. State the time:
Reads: 11:21
